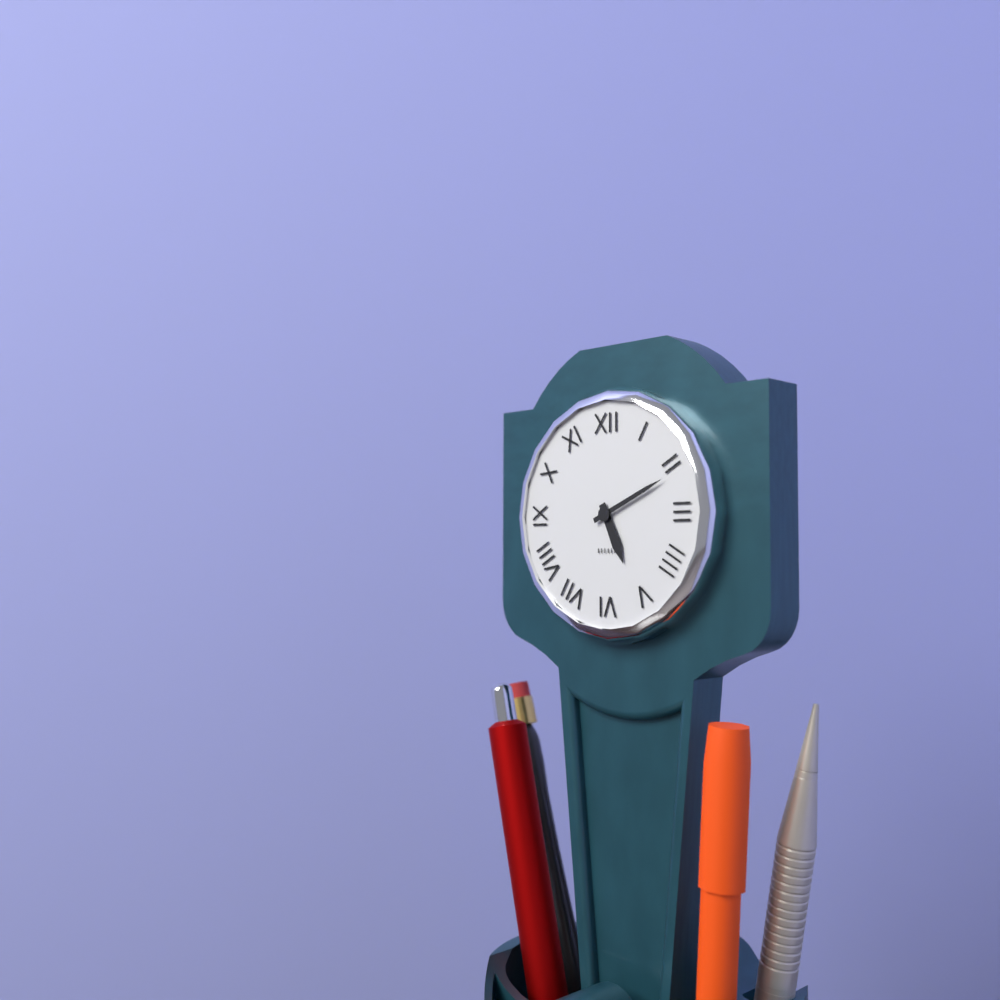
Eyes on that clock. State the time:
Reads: 5:11
